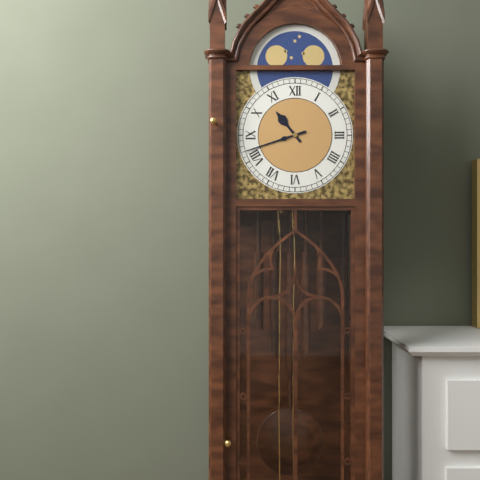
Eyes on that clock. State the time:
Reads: 10:42
